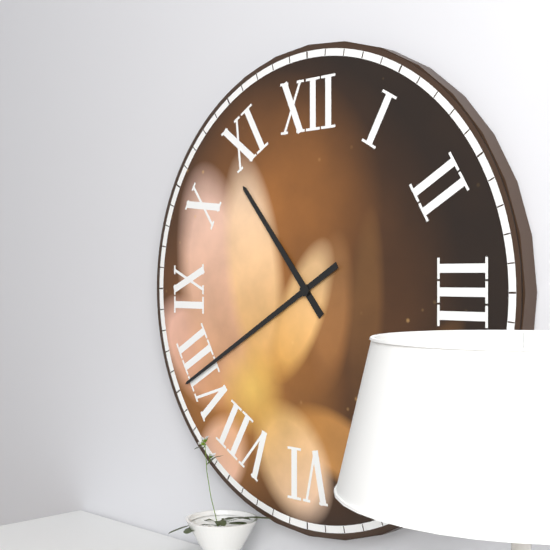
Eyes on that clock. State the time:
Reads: 10:40
